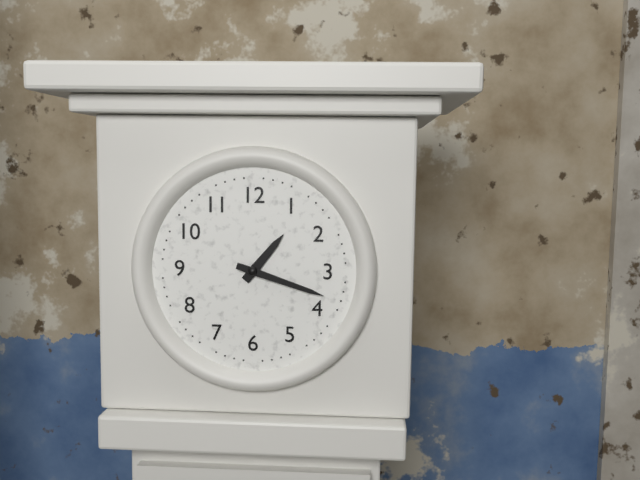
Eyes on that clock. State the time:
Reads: 1:18
